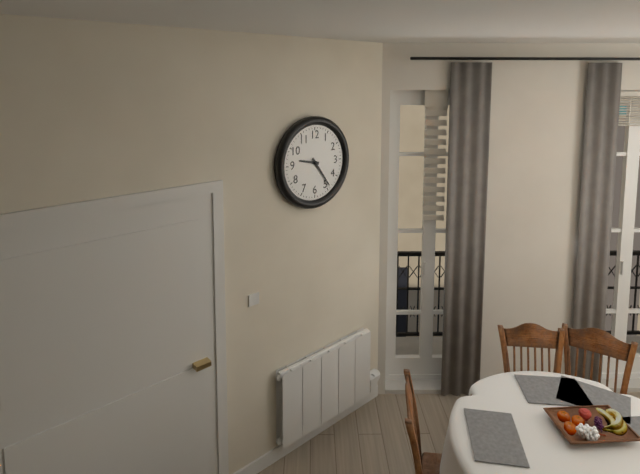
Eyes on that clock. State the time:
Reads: 9:24
